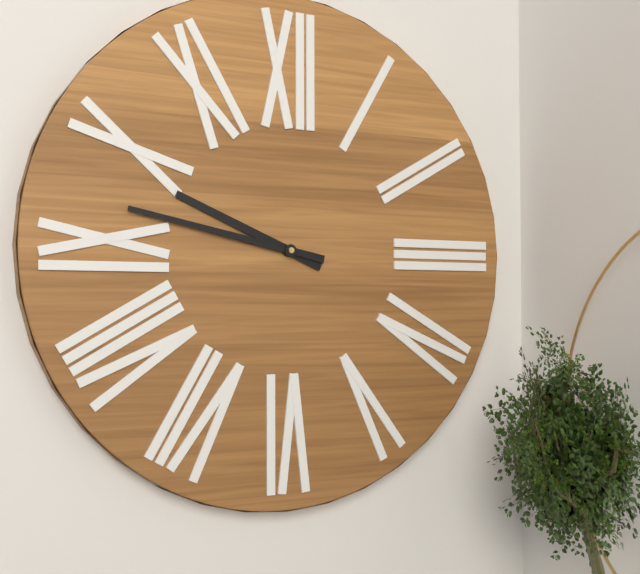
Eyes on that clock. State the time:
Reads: 9:47
